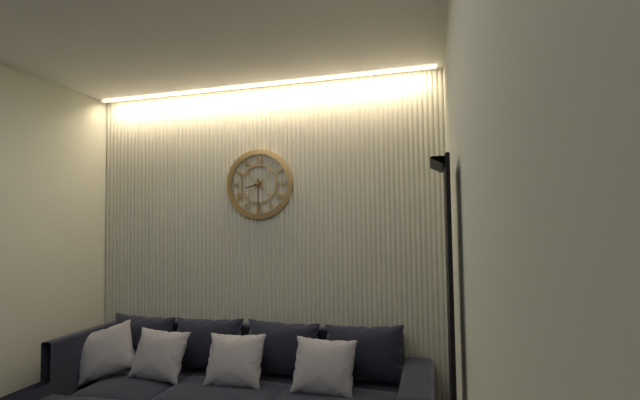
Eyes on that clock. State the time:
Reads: 8:30
